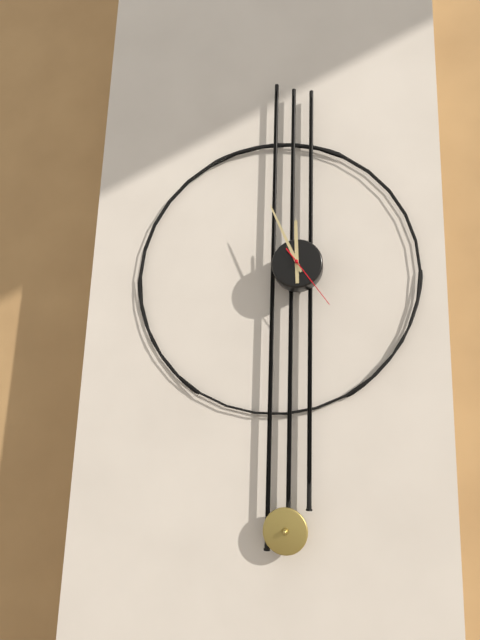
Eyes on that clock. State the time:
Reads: 11:56:24
